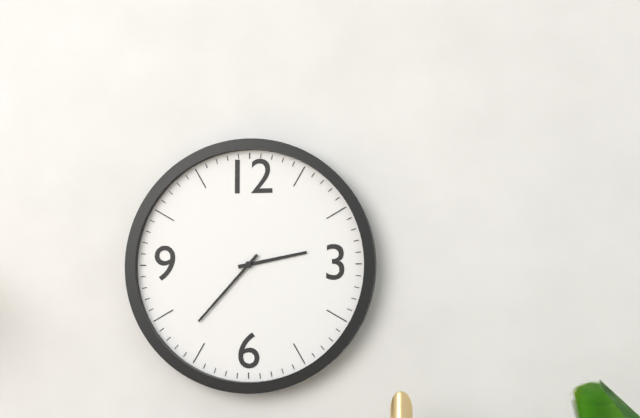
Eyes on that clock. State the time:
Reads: 2:37
